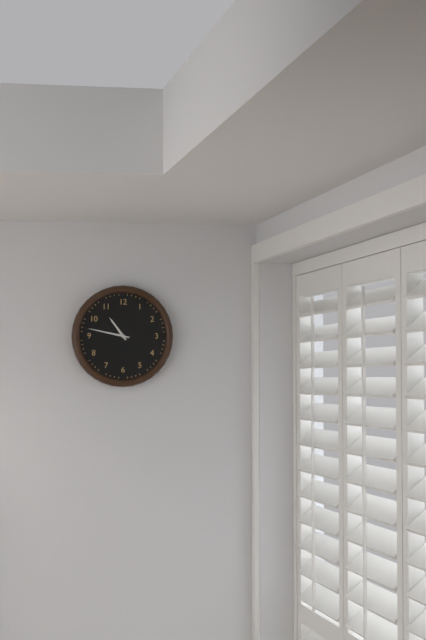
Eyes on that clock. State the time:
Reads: 10:47
